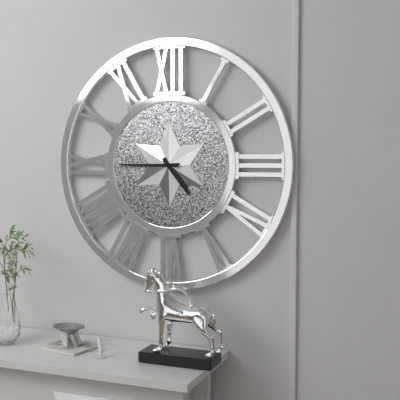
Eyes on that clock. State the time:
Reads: 4:45
